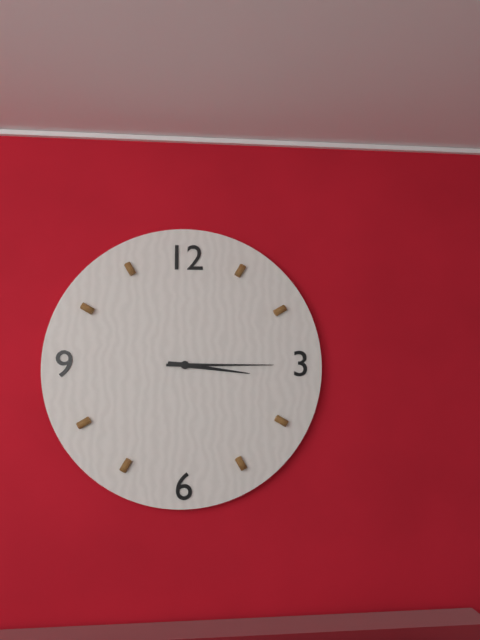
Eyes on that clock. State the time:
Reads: 3:15
